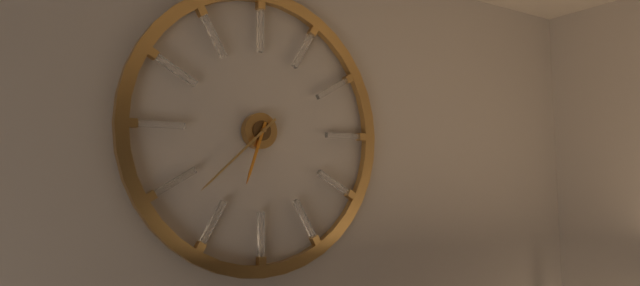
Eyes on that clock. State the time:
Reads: 6:38
